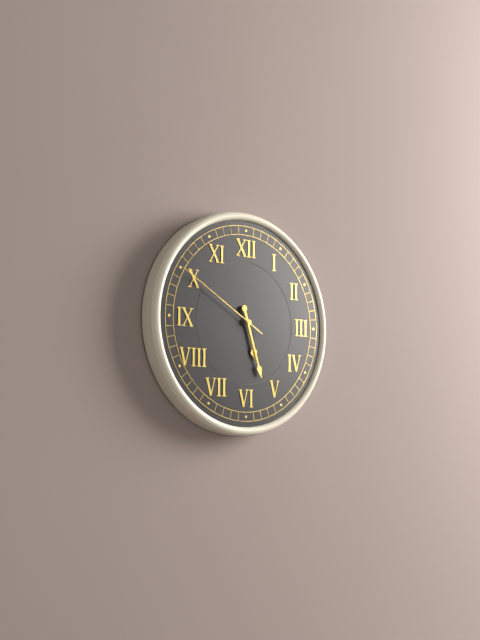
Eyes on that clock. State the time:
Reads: 5:27:50
